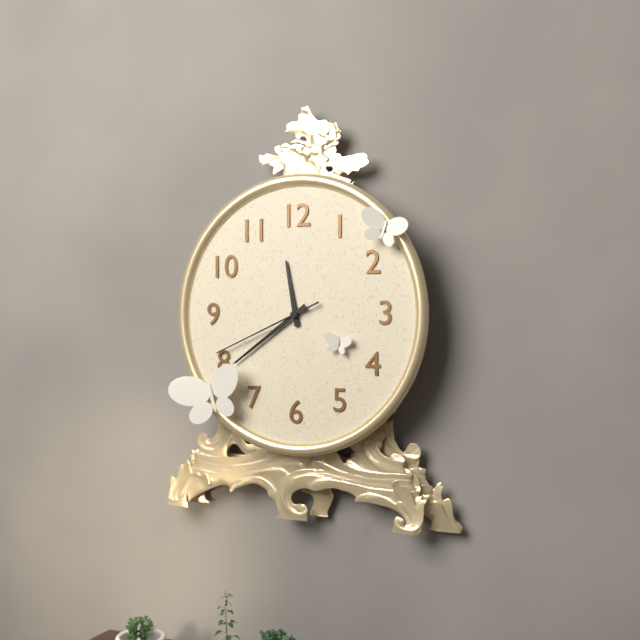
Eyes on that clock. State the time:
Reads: 11:39:41
